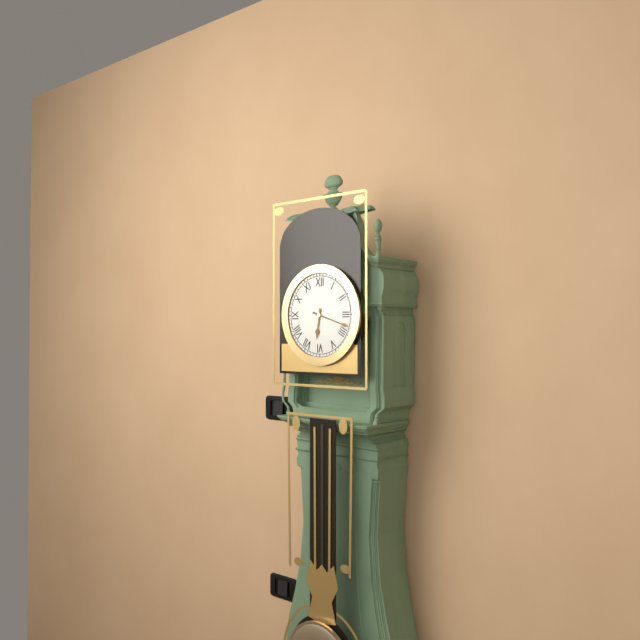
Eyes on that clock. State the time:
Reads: 6:18
